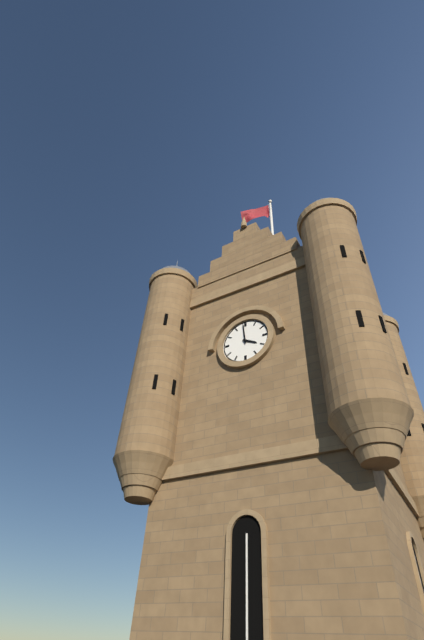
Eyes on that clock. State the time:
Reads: 3:59
